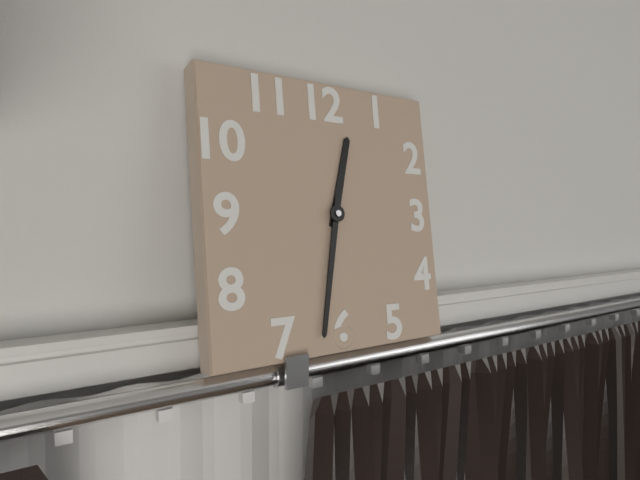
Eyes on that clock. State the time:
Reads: 12:32
